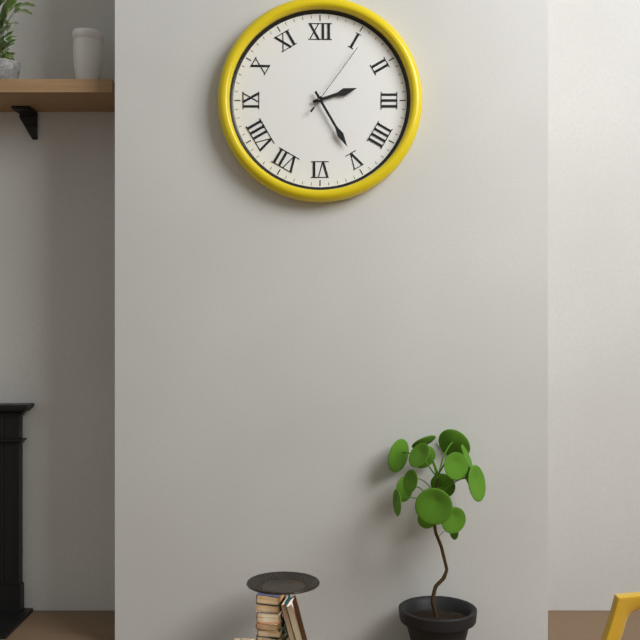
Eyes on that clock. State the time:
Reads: 2:25:06
